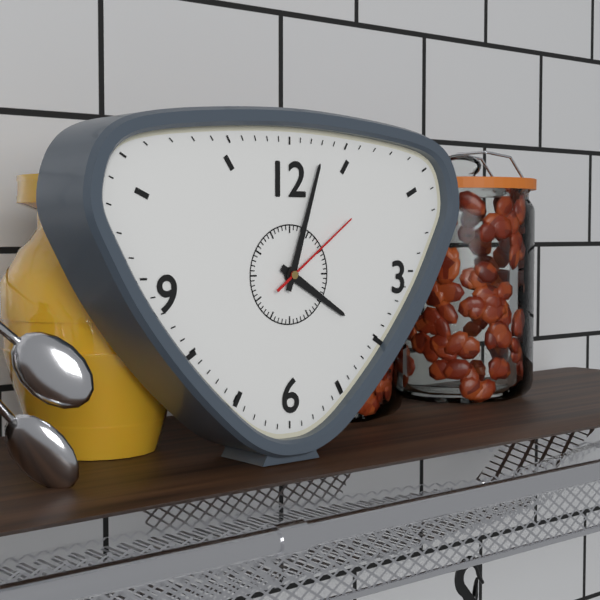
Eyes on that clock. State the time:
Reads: 4:03:09
